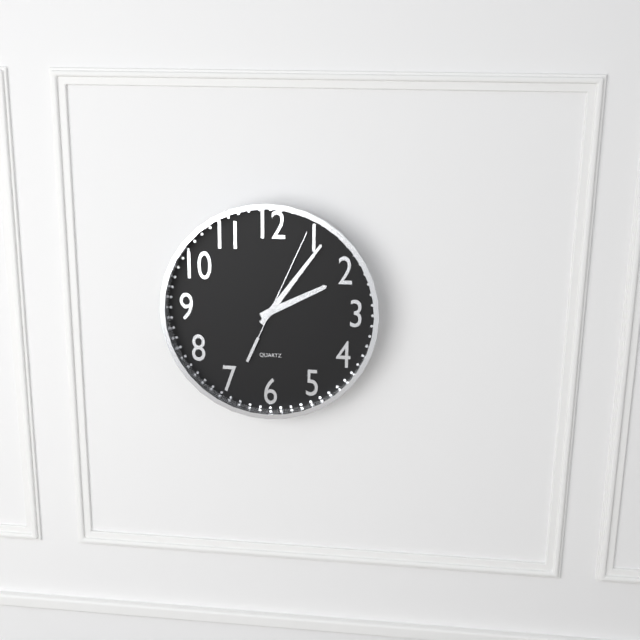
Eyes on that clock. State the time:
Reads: 2:06:04
